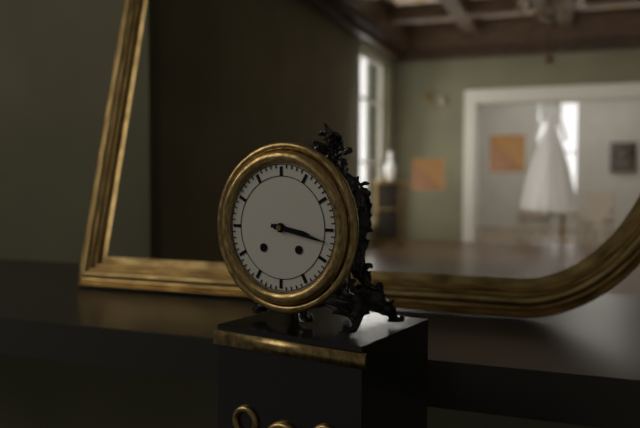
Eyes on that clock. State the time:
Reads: 3:17
